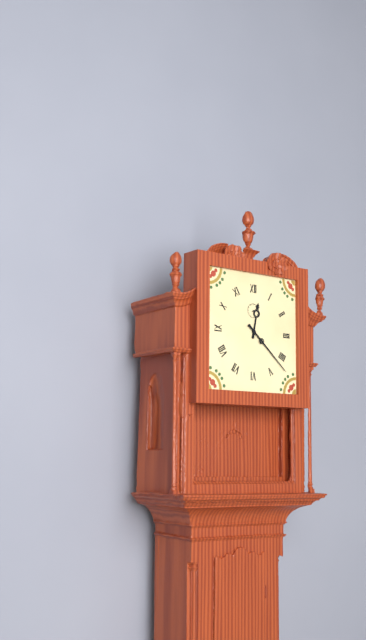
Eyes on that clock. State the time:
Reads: 12:22
